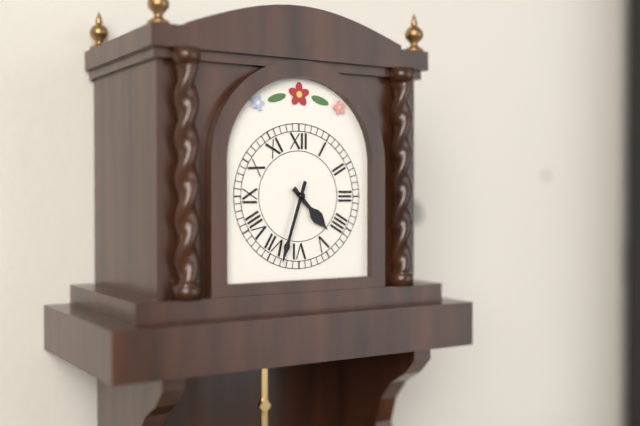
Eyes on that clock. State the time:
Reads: 4:33
